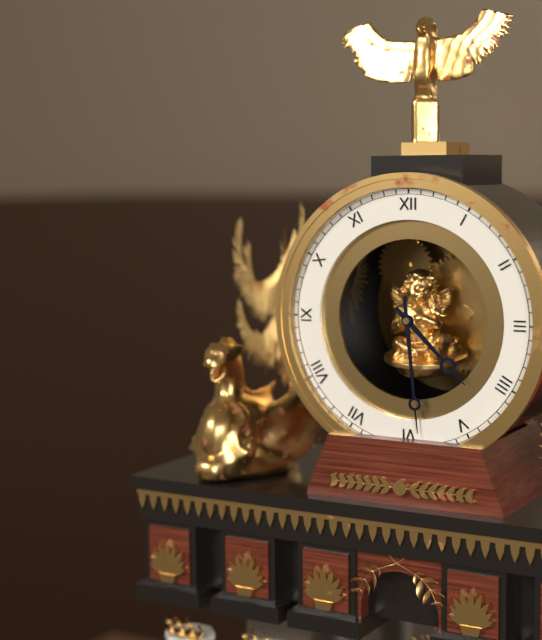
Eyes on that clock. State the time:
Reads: 4:29
